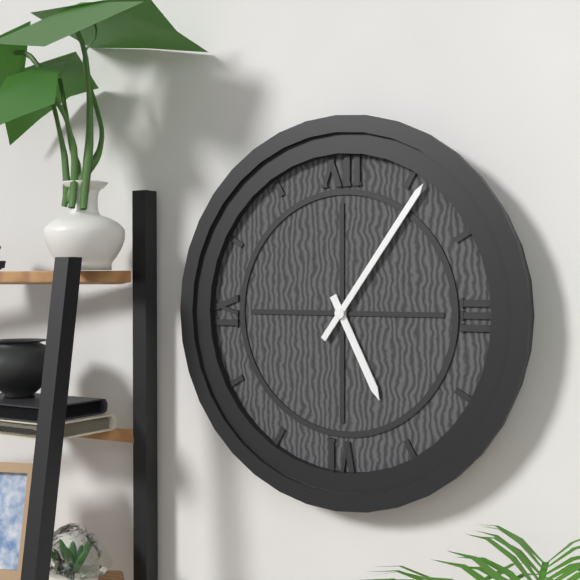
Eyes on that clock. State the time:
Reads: 5:06
